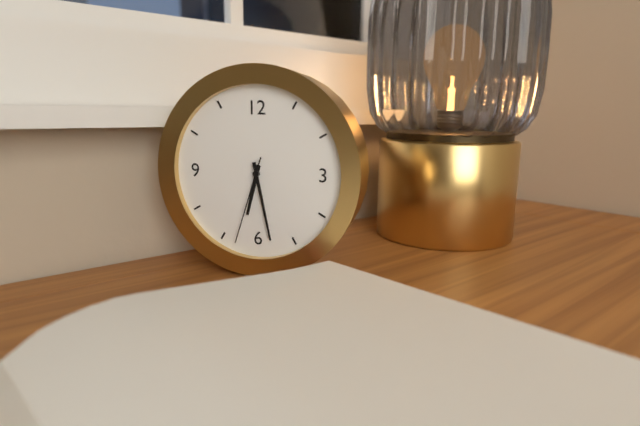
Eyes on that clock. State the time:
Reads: 6:28:33
